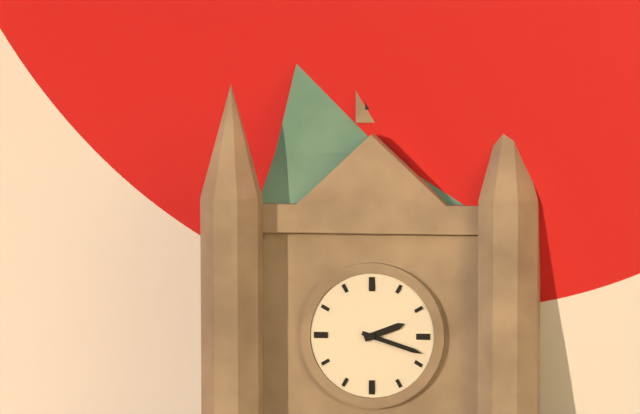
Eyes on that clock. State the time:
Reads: 2:18
